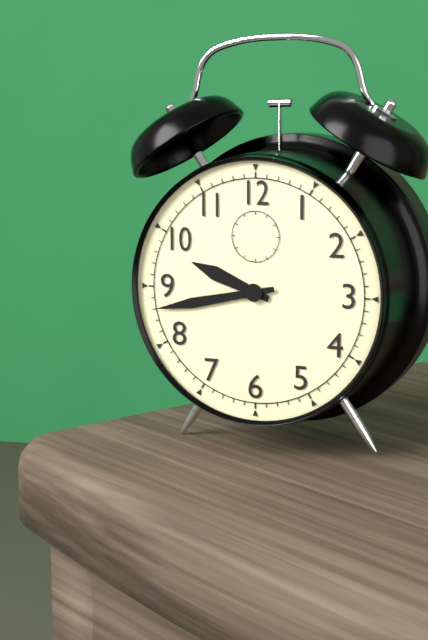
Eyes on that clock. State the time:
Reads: 9:43
